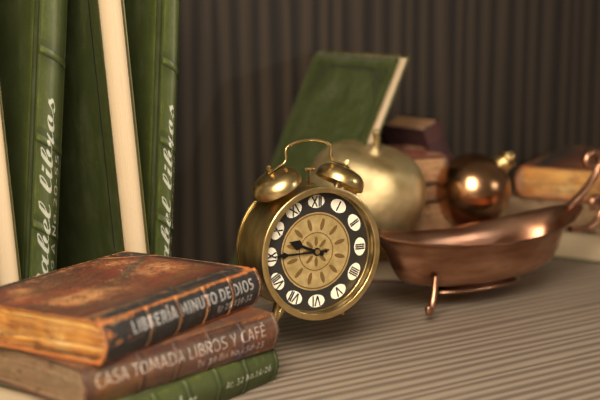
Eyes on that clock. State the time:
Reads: 9:45
